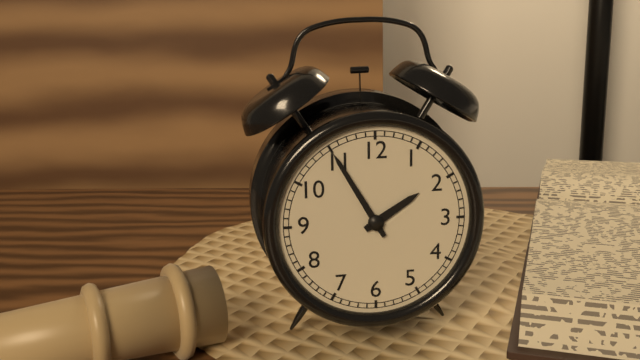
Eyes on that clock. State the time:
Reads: 1:55
